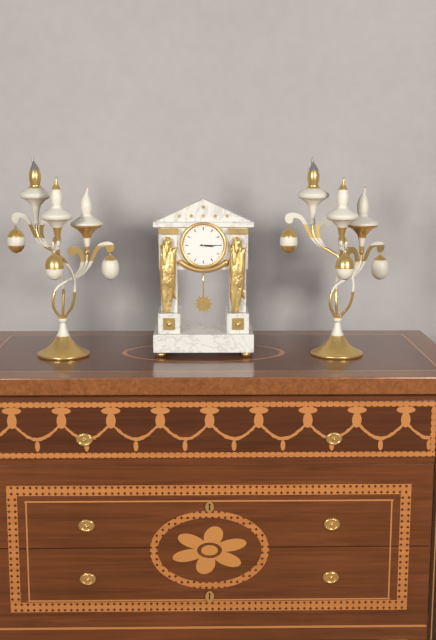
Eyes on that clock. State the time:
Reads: 3:15
